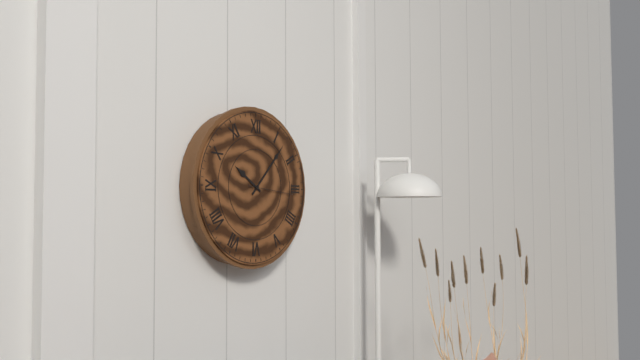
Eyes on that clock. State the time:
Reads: 10:07
